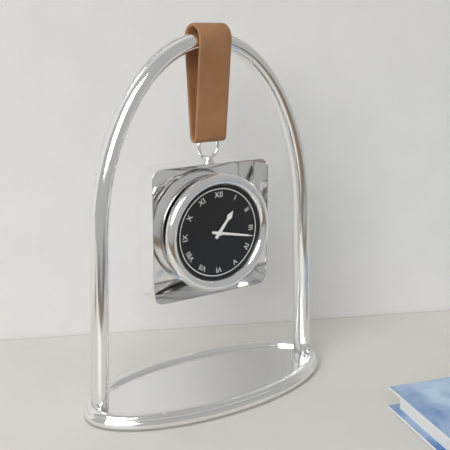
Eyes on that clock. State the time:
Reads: 1:17
